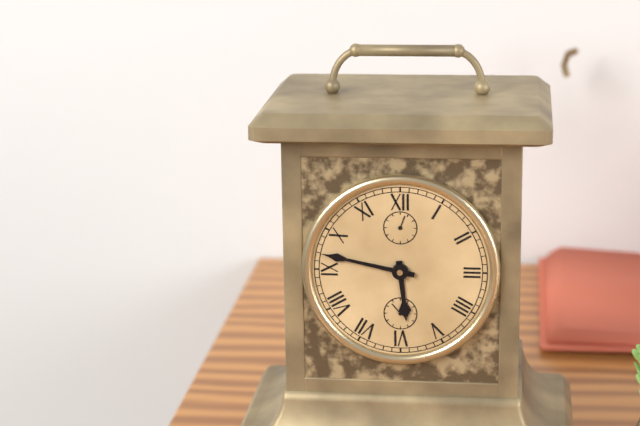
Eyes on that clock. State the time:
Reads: 5:47
